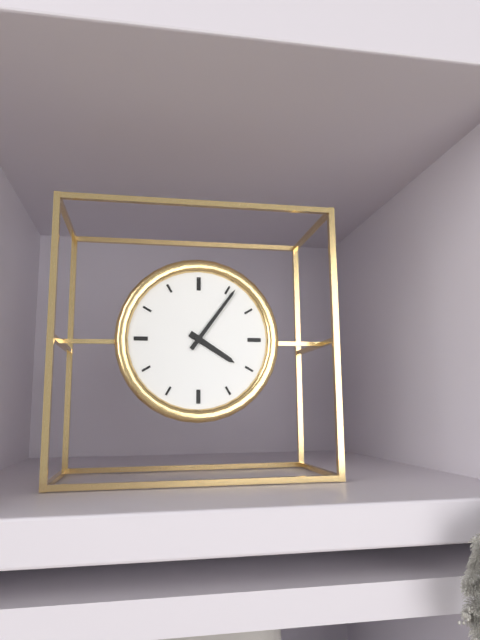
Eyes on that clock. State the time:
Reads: 4:06
